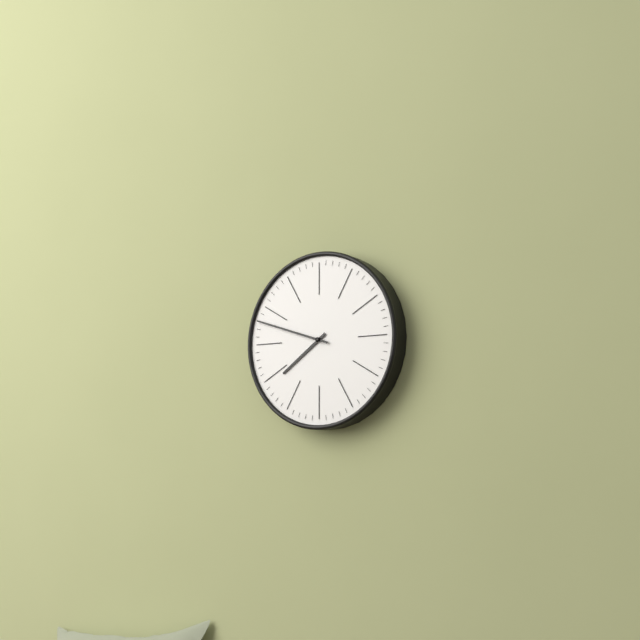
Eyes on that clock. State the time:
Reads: 7:48
